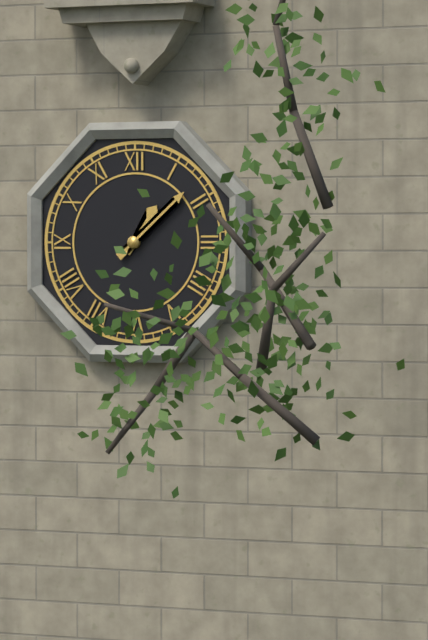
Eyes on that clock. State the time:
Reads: 1:08
